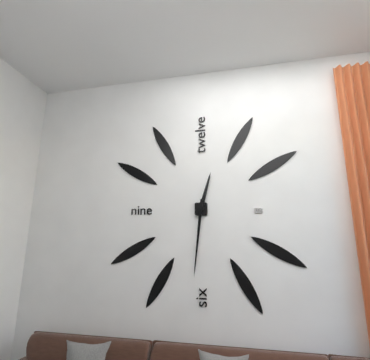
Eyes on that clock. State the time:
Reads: 12:31
